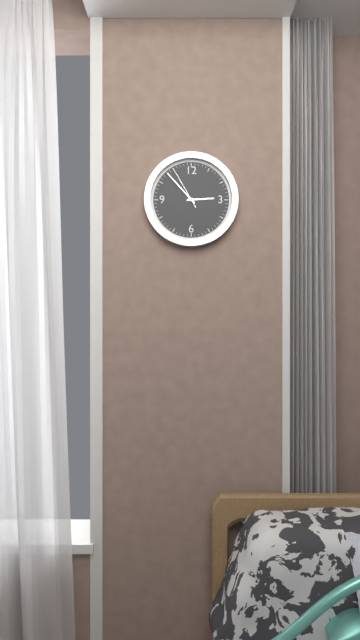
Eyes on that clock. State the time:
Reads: 2:53
